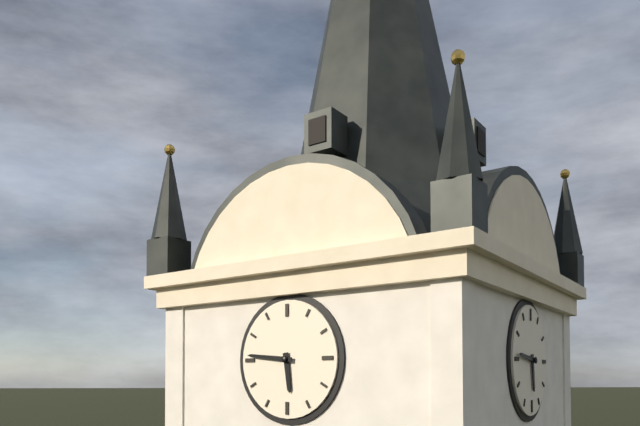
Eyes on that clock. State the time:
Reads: 5:46
